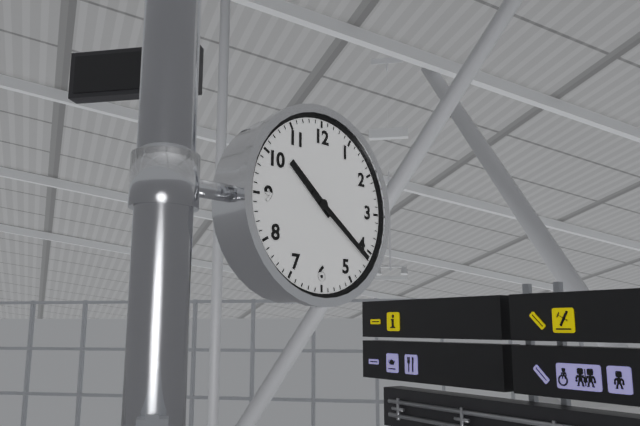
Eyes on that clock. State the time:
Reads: 10:21
